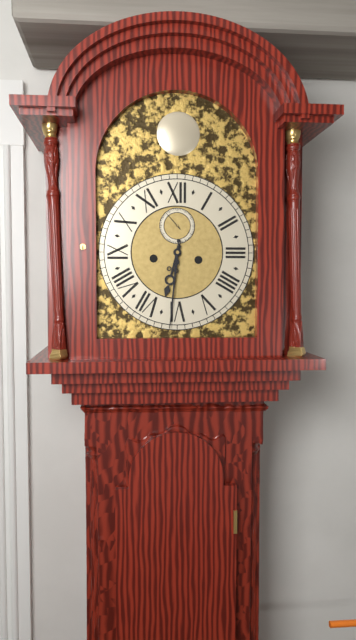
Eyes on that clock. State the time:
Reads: 6:31
